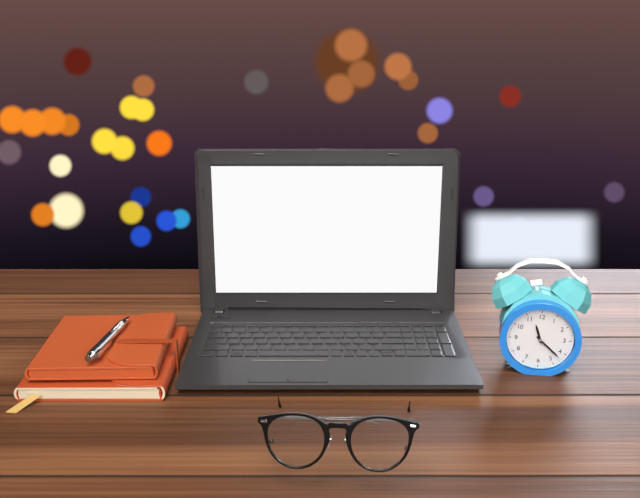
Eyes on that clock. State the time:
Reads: 11:22
